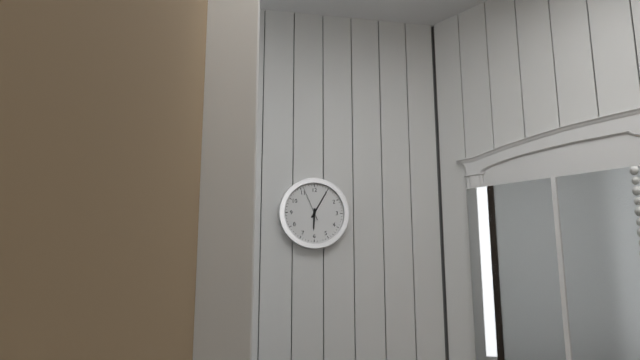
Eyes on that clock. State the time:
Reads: 6:05
